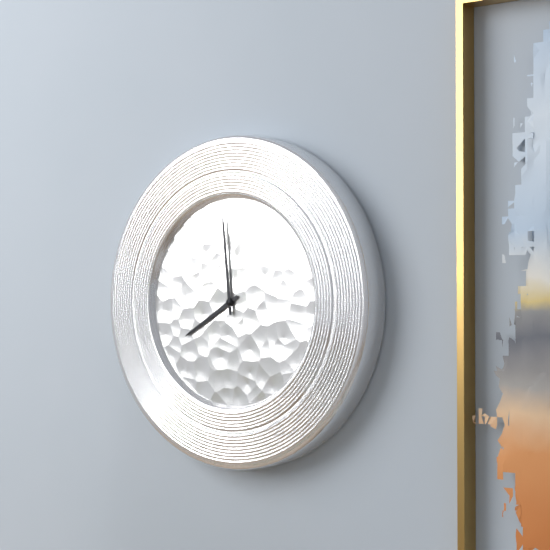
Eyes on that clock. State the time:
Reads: 7:59
